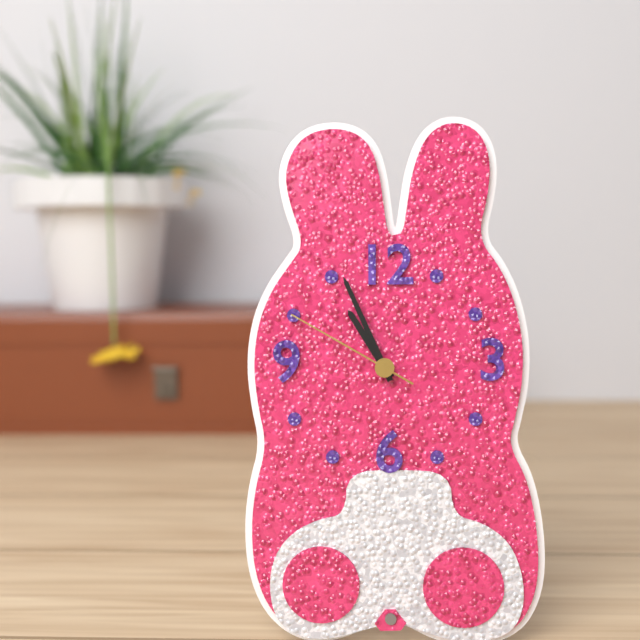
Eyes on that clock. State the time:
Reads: 10:56:50
